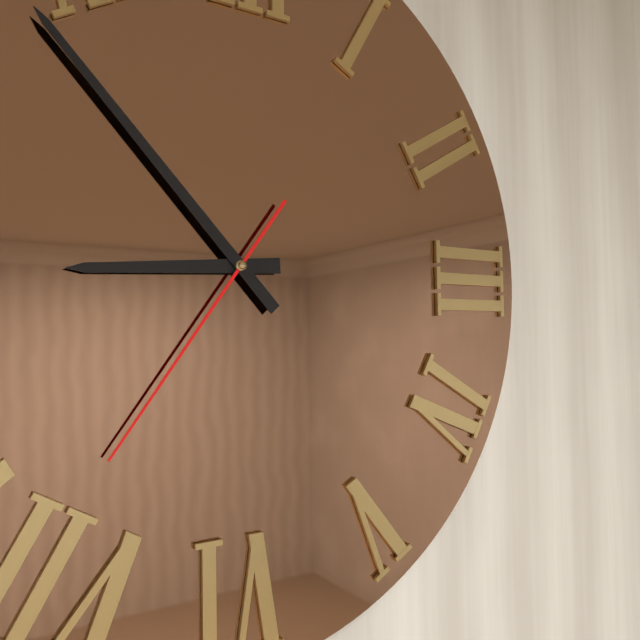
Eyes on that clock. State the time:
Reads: 8:53:36
